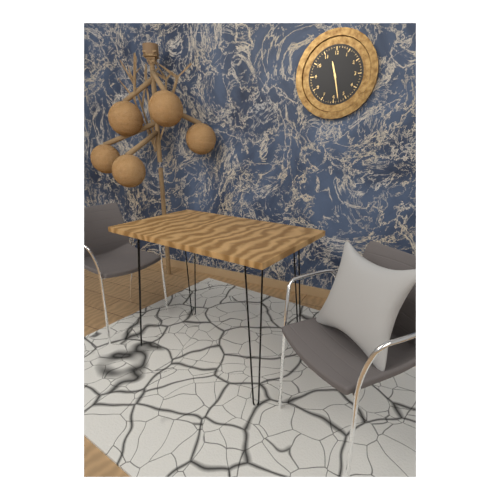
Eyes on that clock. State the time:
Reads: 11:28
